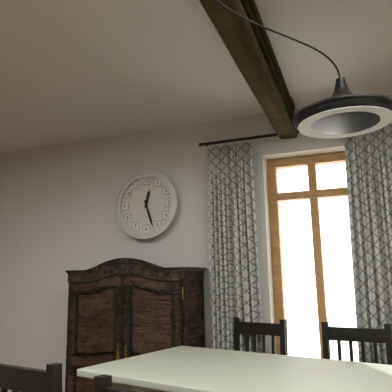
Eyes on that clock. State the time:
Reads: 12:27
